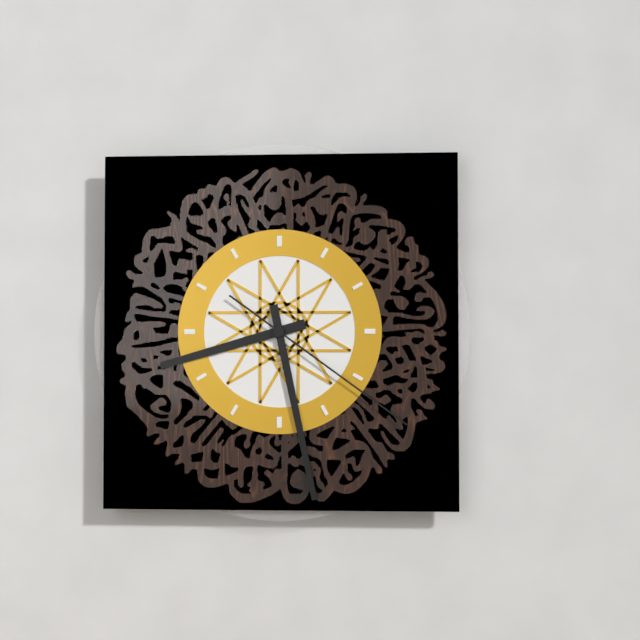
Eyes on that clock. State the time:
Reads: 8:28:21
